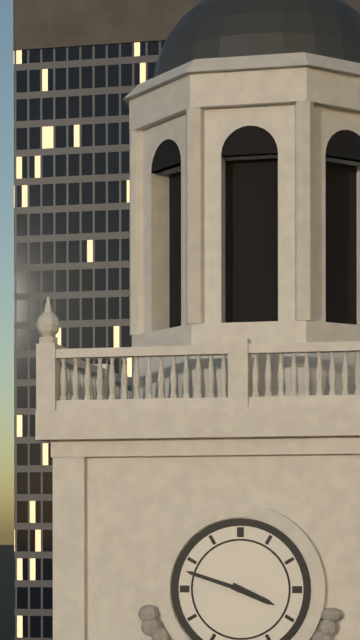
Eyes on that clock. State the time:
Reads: 3:48
